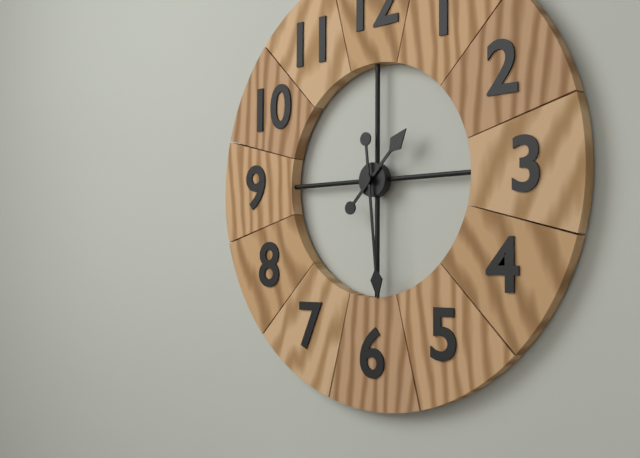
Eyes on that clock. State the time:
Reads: 1:29
